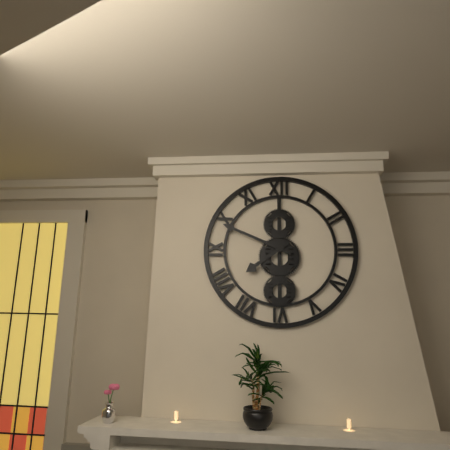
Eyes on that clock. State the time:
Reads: 7:49
